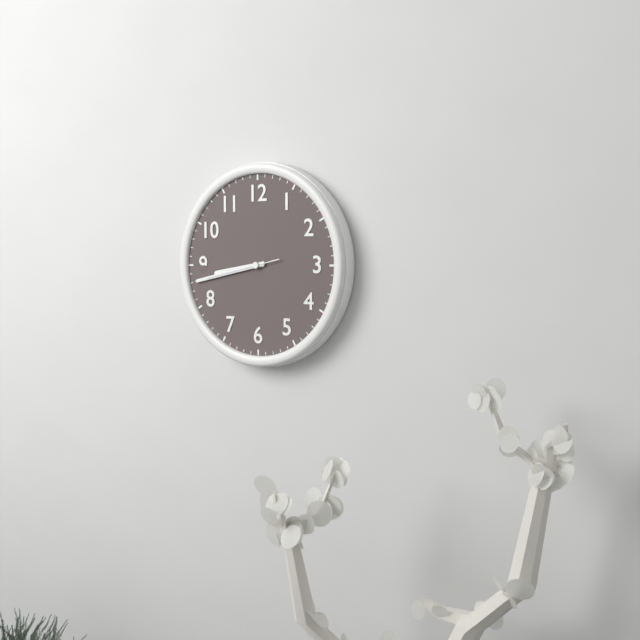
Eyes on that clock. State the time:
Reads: 8:43:43
